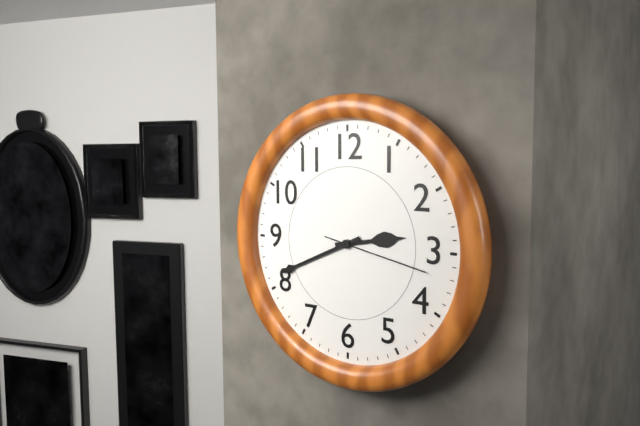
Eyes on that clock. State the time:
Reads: 2:41:17
